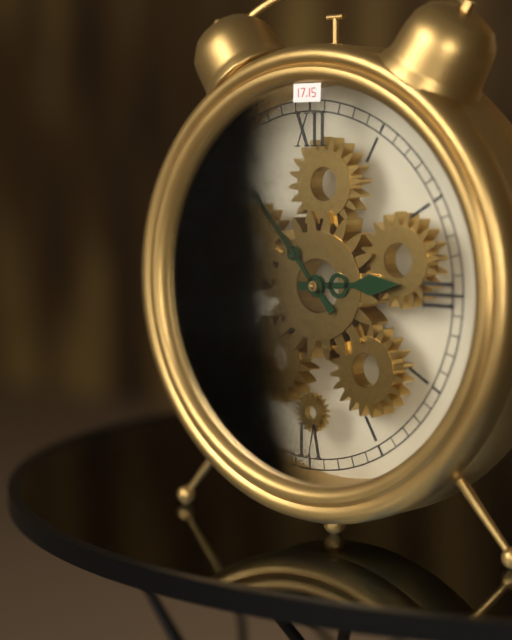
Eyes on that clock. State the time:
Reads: 2:53
